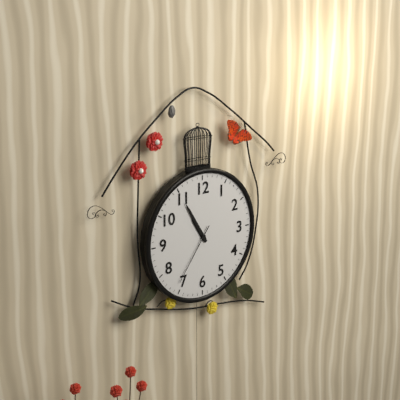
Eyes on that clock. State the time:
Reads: 10:55:36
